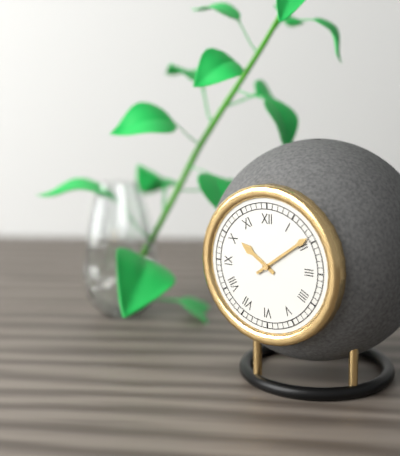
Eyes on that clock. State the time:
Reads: 10:09
